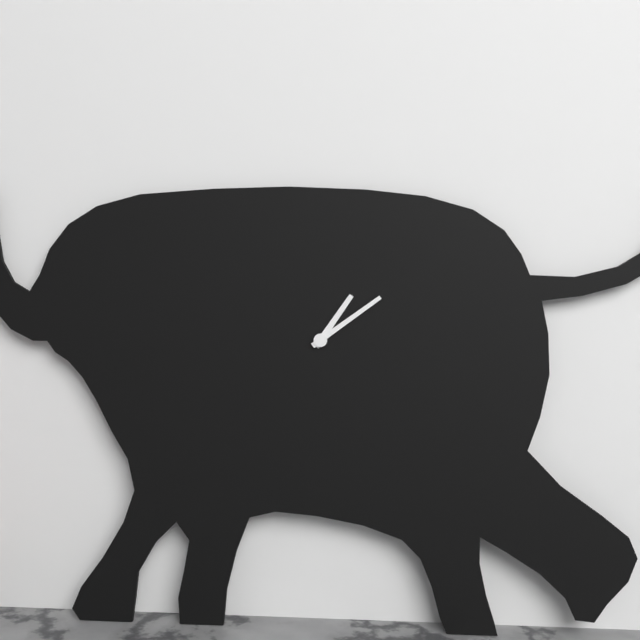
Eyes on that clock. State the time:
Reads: 1:09
